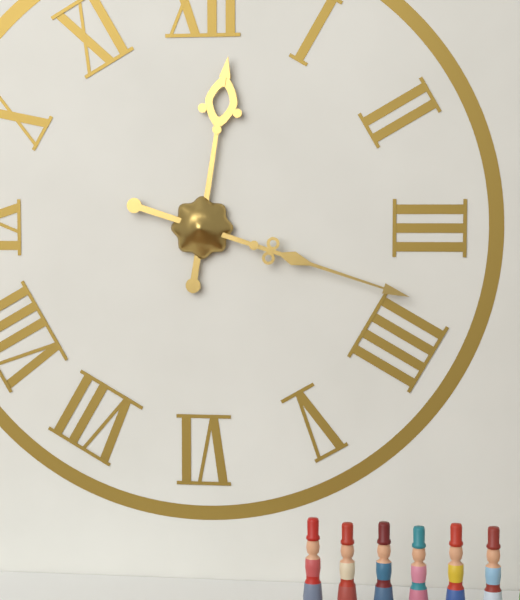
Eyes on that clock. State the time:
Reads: 12:18
